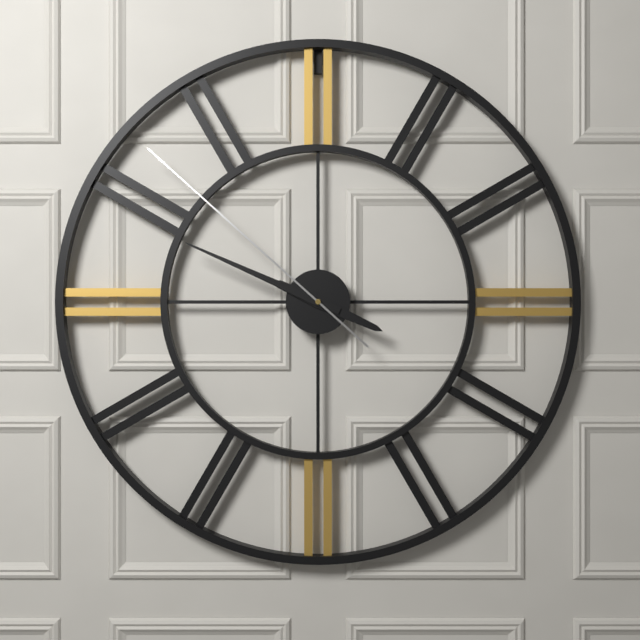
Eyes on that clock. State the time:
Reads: 3:49:52
